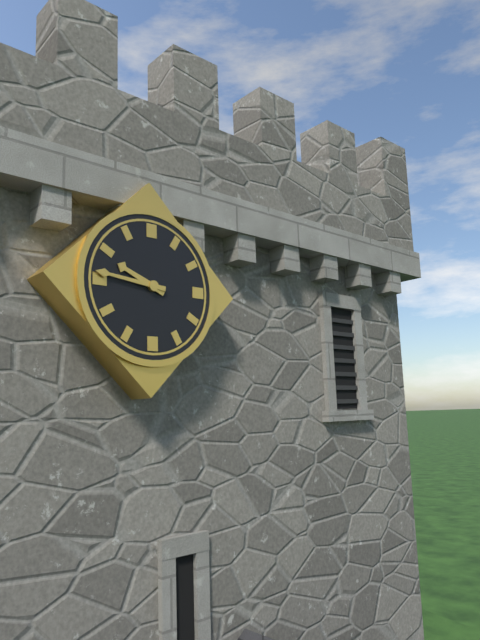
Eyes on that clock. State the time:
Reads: 9:46
